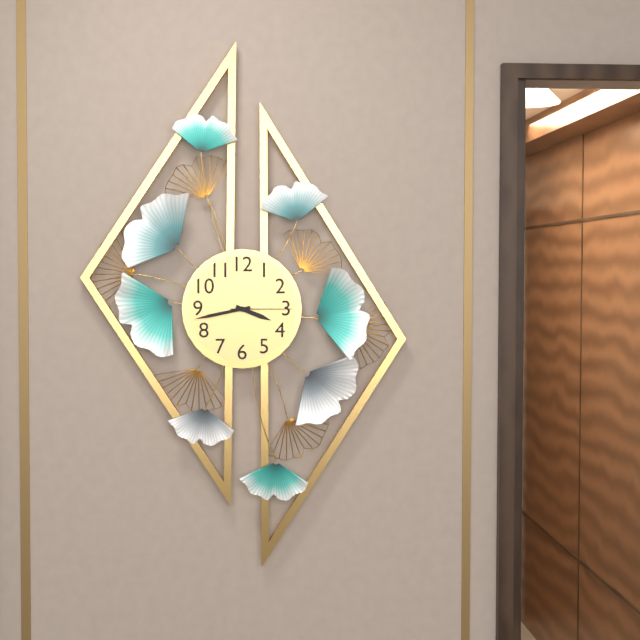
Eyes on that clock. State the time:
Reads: 3:43:15
